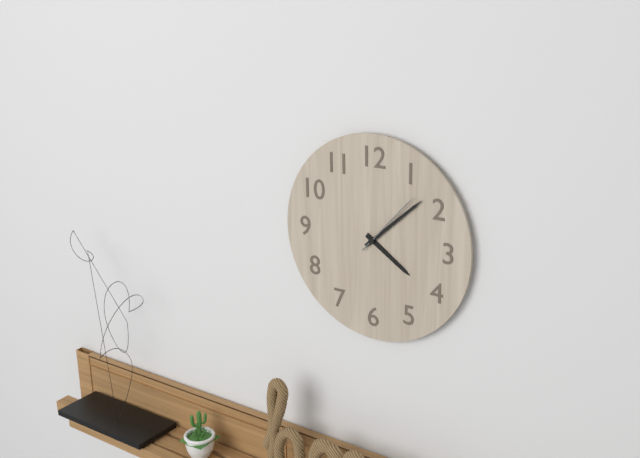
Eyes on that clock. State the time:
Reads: 4:08:07
